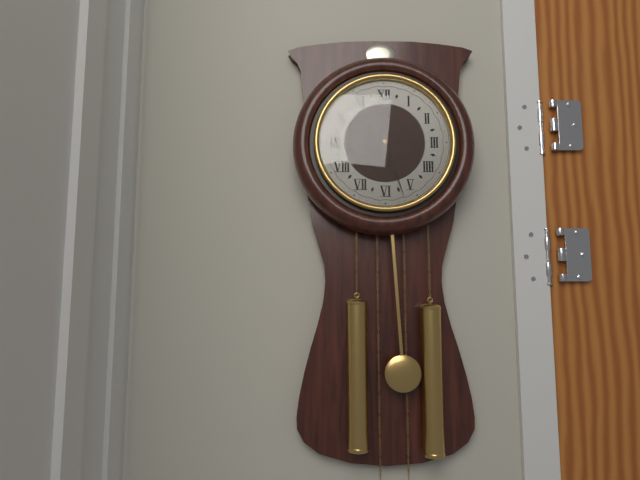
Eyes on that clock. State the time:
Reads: 5:27
